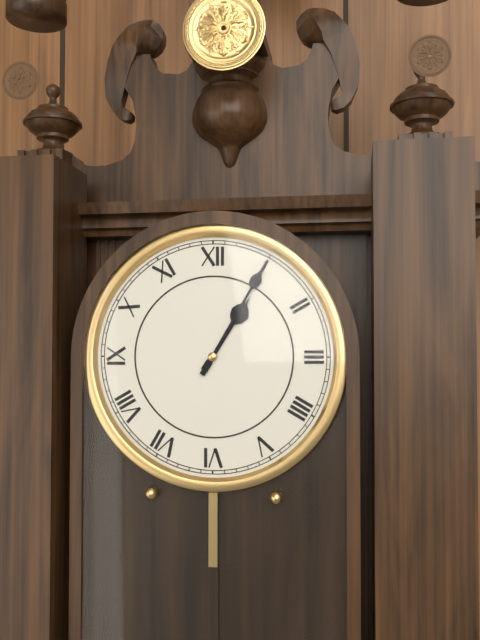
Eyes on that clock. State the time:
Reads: 1:05
